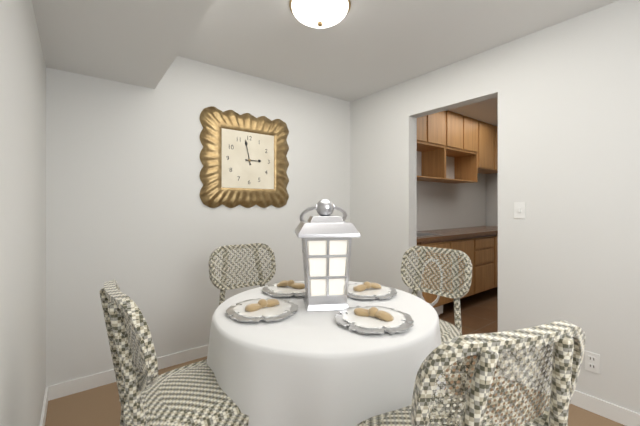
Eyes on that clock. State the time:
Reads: 2:58
